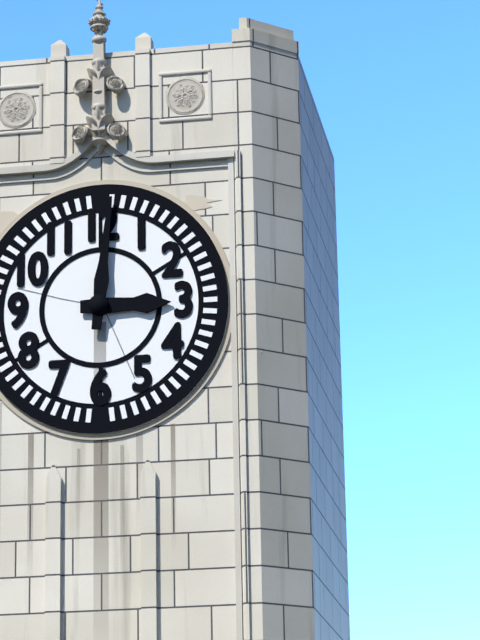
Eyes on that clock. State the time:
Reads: 3:01
